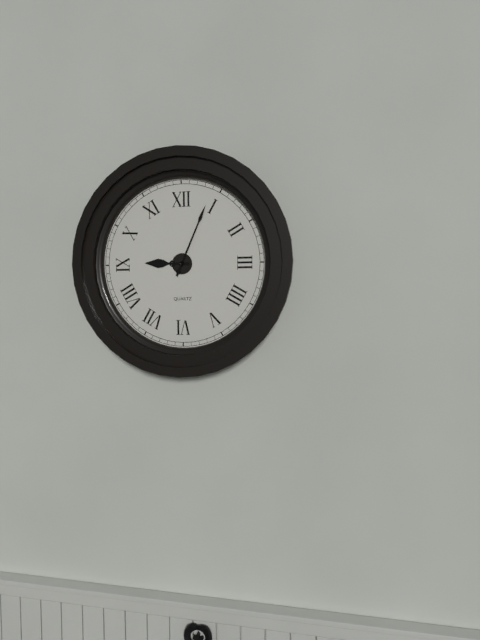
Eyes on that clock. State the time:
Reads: 9:04
